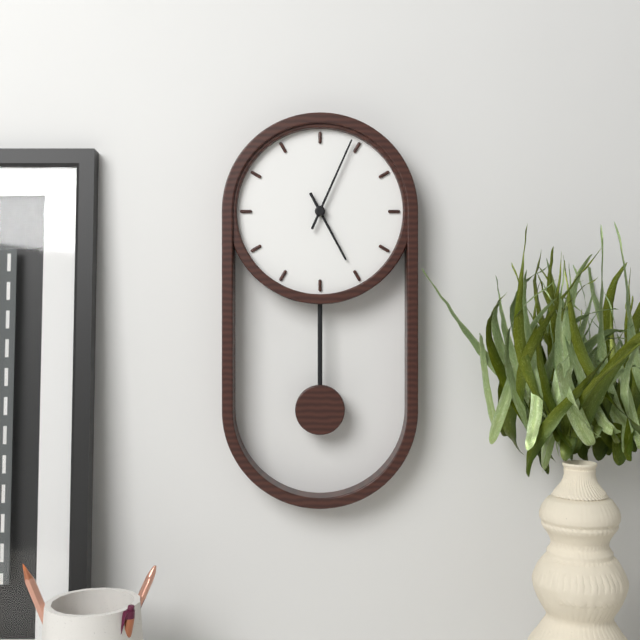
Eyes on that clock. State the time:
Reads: 5:04
